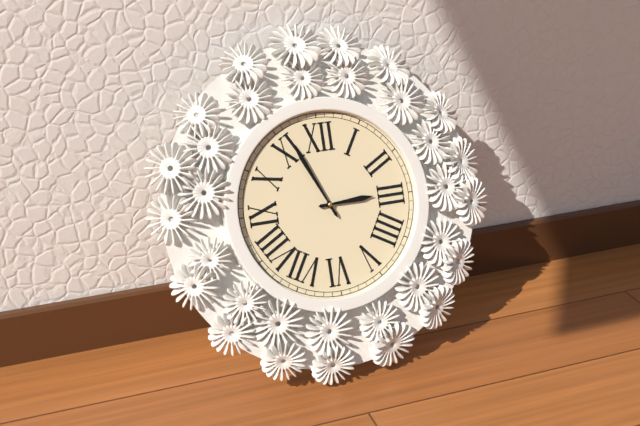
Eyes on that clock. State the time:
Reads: 2:56
